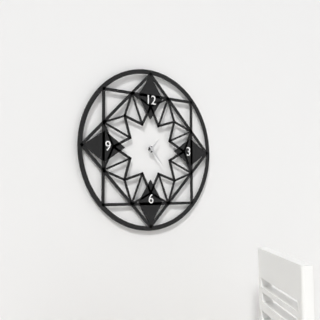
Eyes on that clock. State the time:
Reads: 1:23
